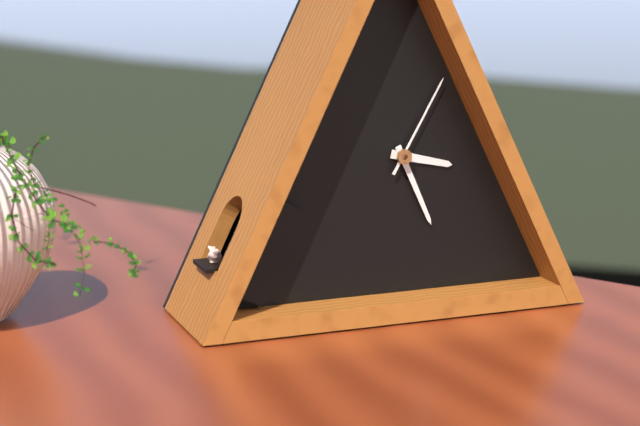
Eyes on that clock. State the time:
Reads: 3:26:05
